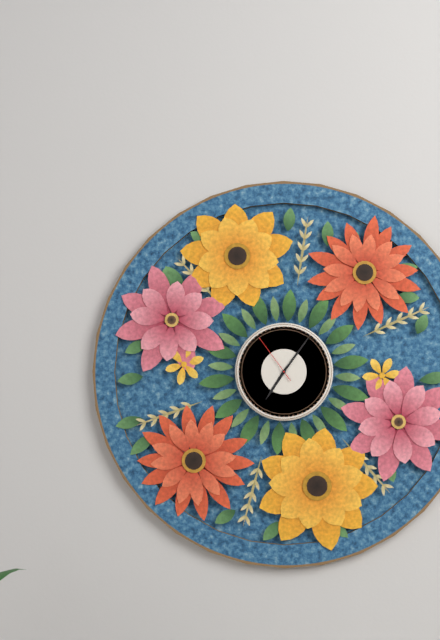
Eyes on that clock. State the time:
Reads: 7:06:54
